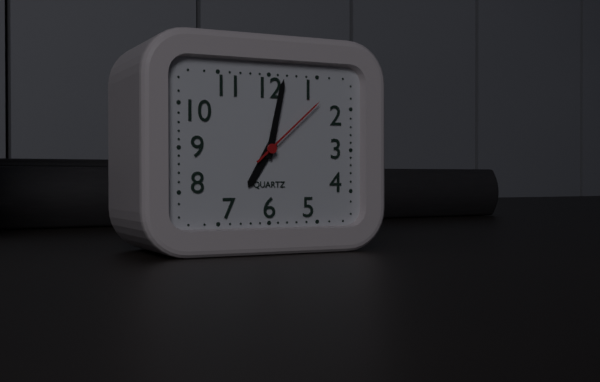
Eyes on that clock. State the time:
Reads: 7:02:08
